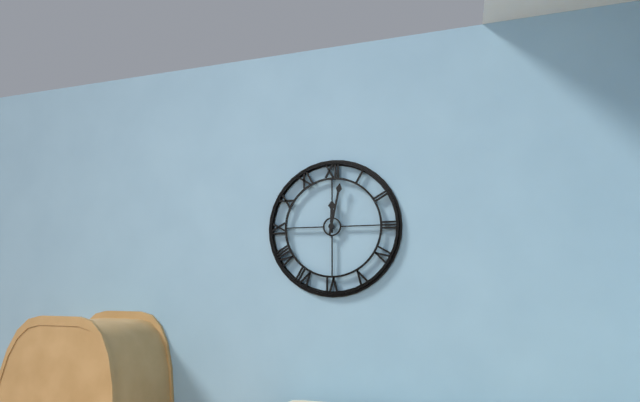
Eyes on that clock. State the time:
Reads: 12:02
